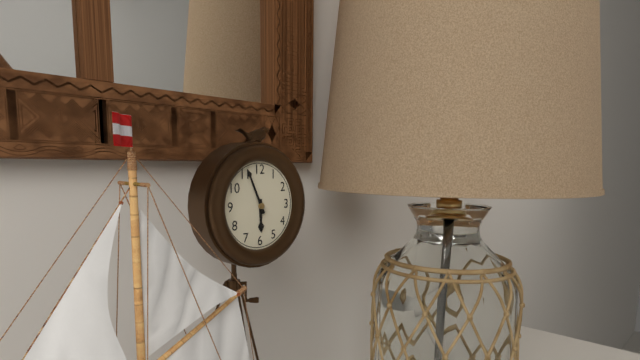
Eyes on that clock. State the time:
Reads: 5:56
